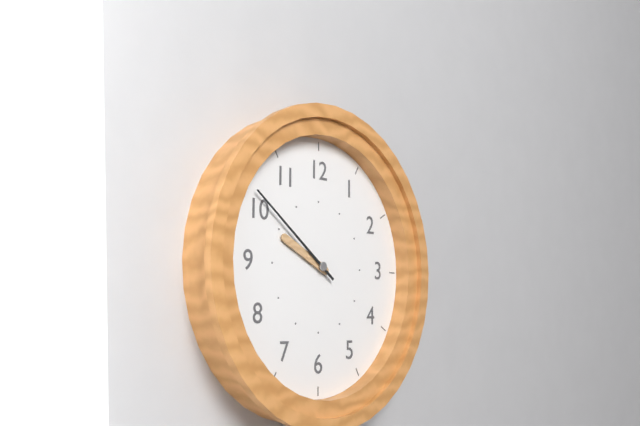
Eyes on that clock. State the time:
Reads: 9:51
